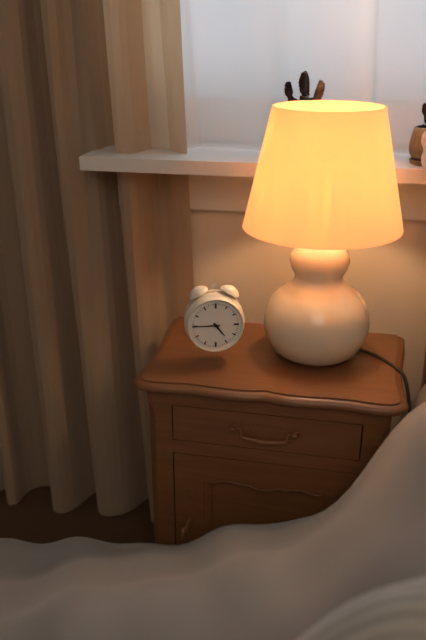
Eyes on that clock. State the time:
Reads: 4:45
